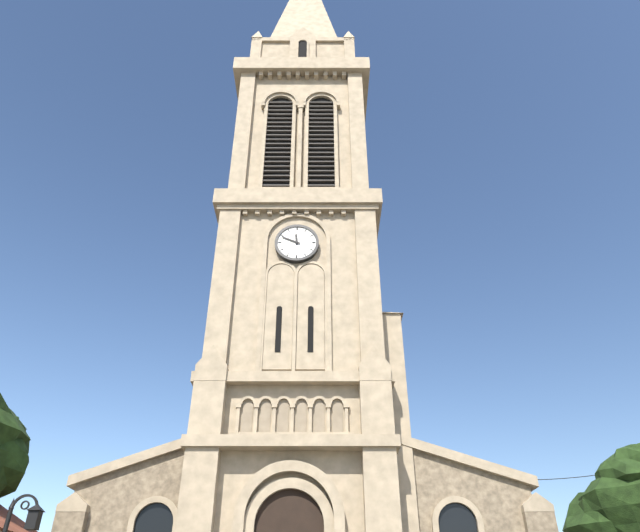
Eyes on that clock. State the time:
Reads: 11:49
